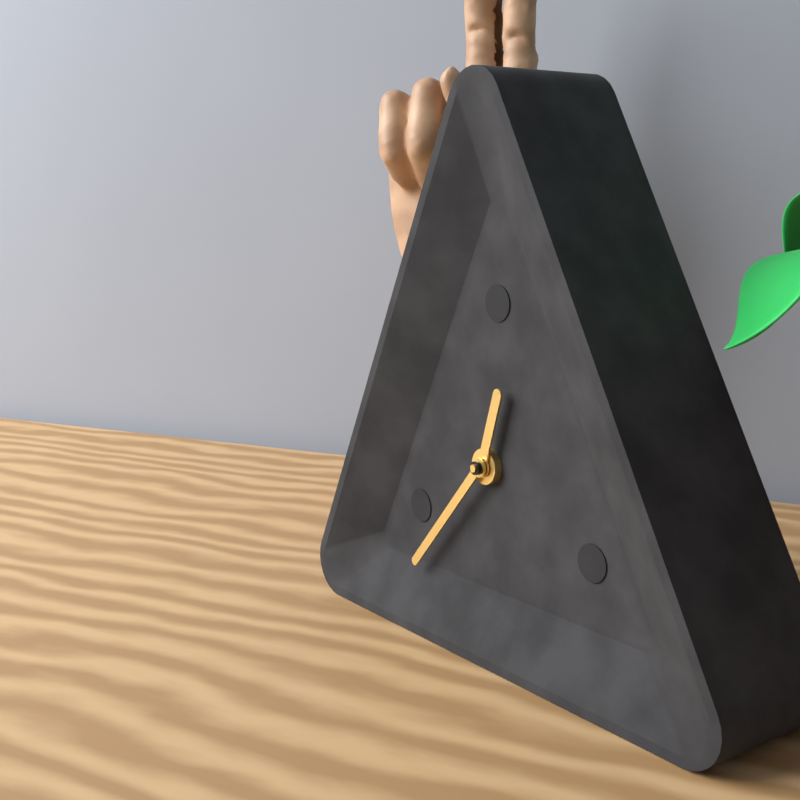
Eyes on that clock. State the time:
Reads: 12:37
